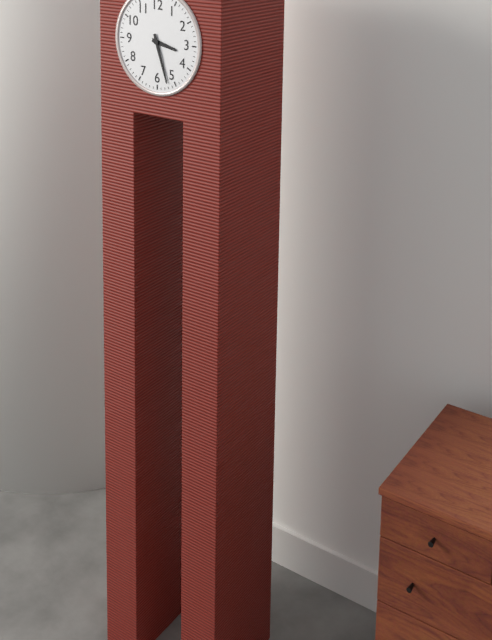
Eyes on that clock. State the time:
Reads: 3:27
